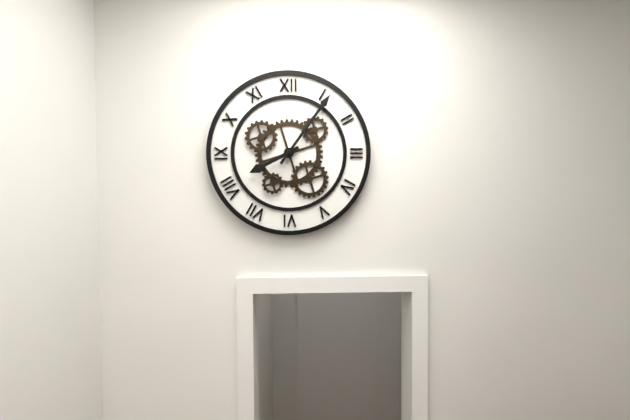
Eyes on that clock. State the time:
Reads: 8:06
